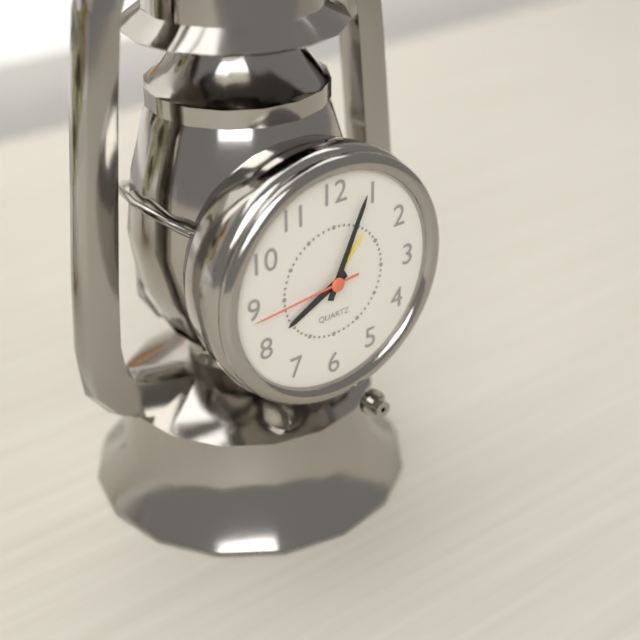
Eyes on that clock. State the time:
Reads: 8:04:44
